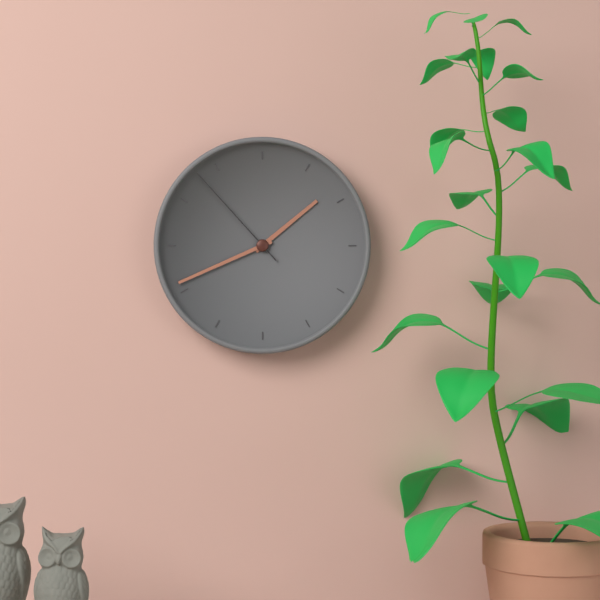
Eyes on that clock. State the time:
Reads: 1:41:53
